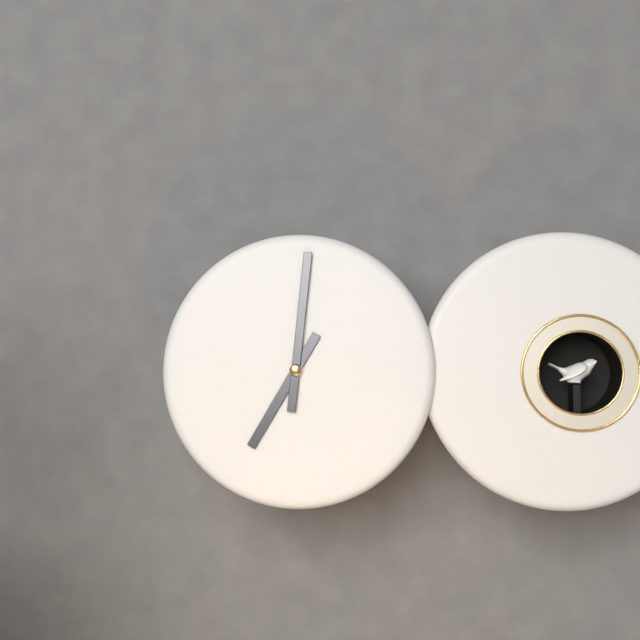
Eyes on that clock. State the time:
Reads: 7:01
